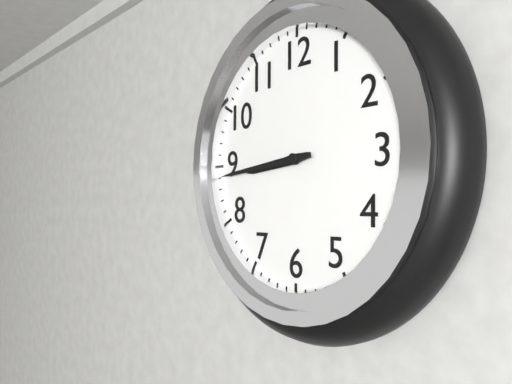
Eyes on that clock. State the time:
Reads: 8:44
